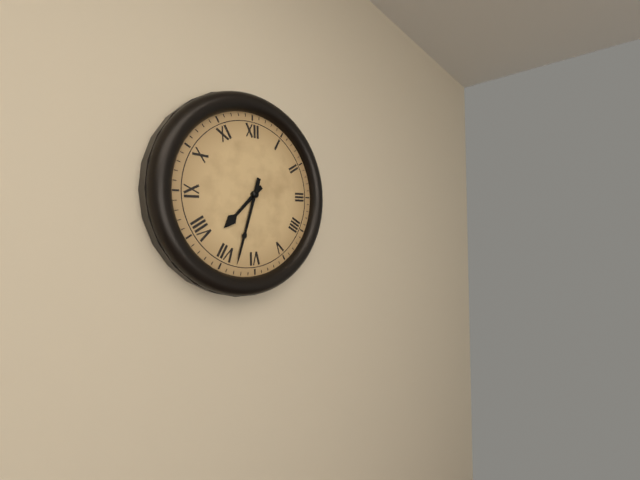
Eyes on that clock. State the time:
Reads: 7:33
